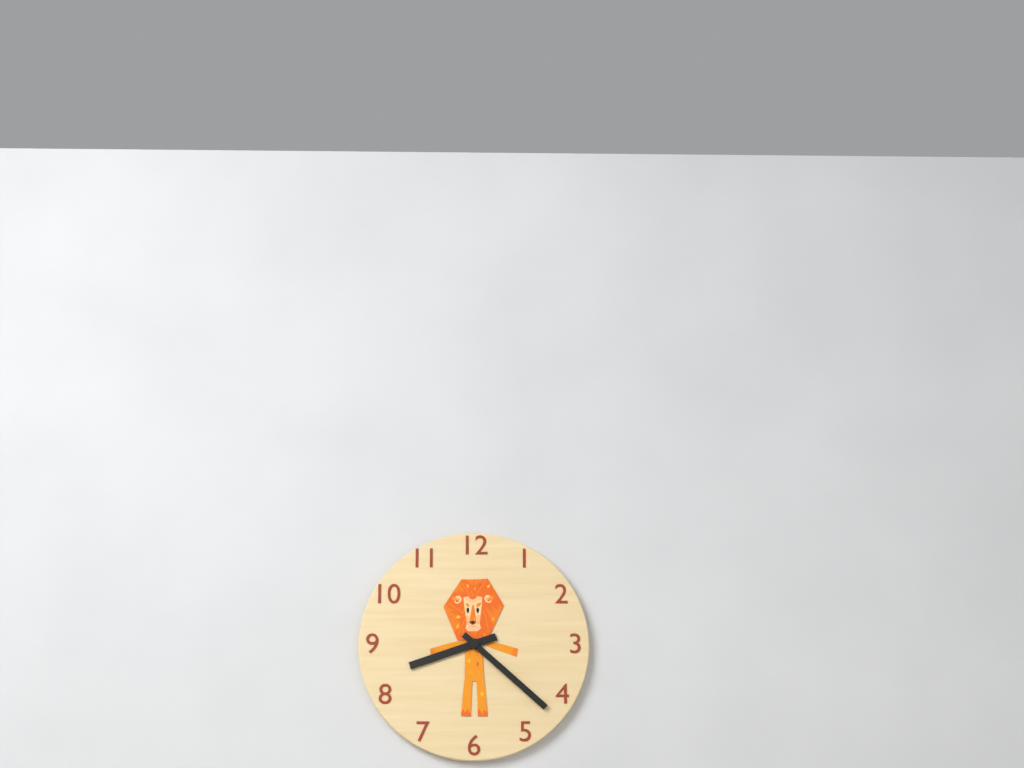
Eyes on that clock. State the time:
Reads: 8:22
